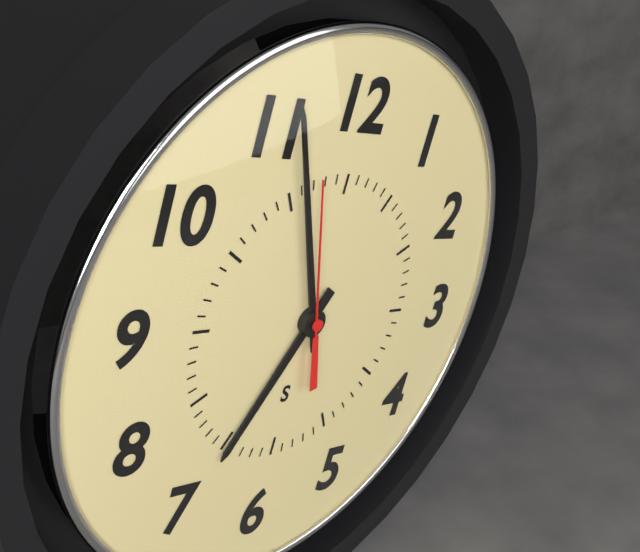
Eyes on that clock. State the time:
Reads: 6:56:57
